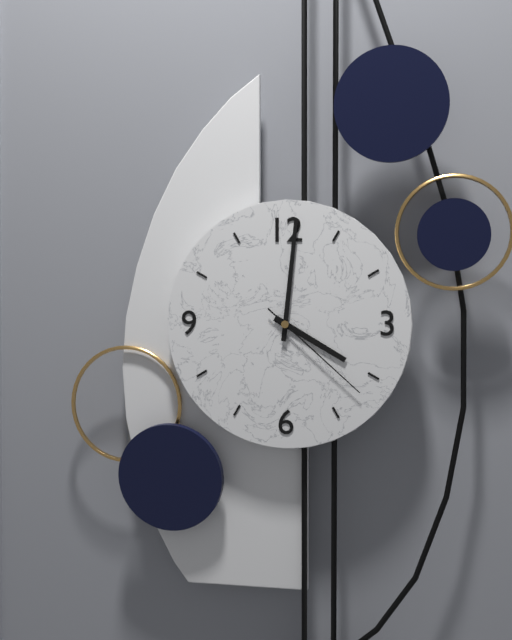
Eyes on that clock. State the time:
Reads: 4:01:22
